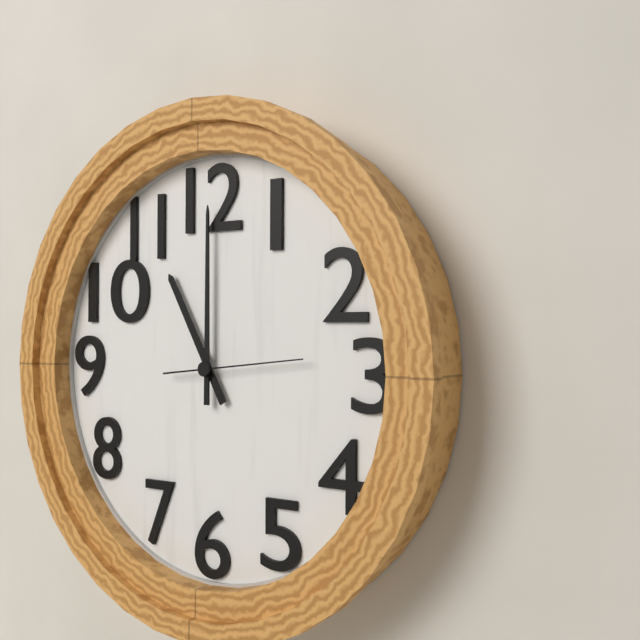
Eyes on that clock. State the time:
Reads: 11:00:14
